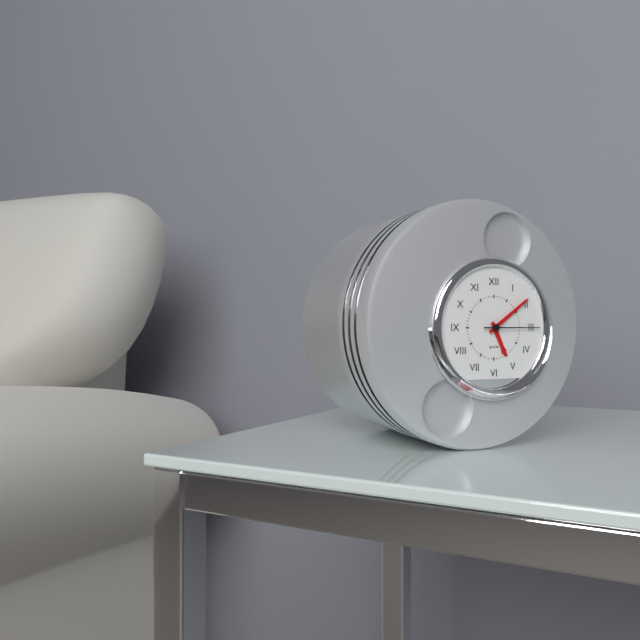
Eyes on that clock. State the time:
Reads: 5:09:15
